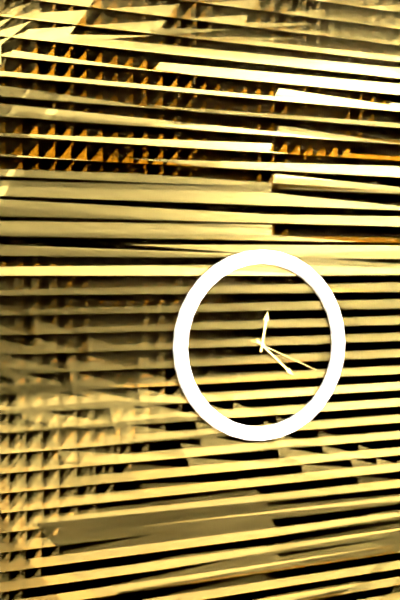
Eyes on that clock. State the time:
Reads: 12:22:19
